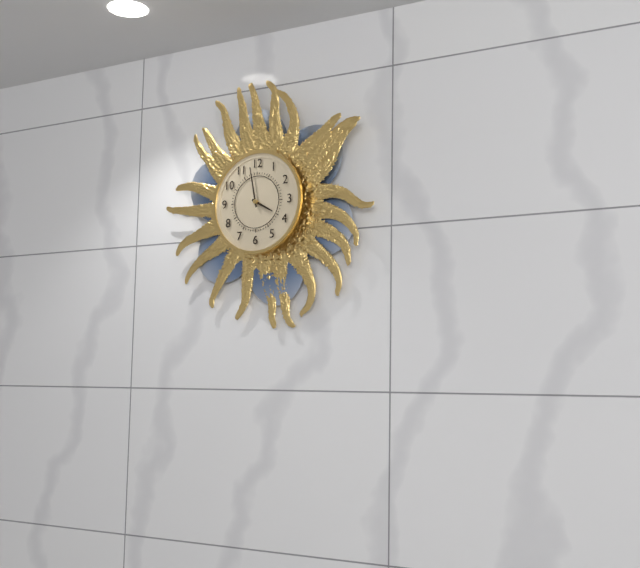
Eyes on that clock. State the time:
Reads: 3:58
